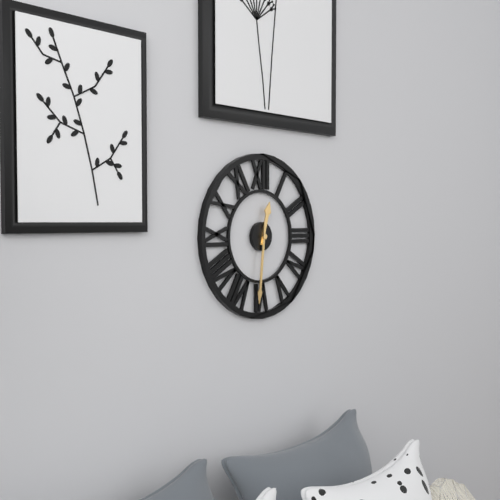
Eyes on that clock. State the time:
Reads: 12:31
